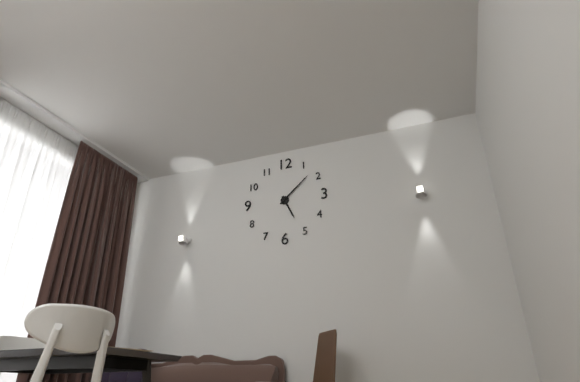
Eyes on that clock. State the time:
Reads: 5:08
